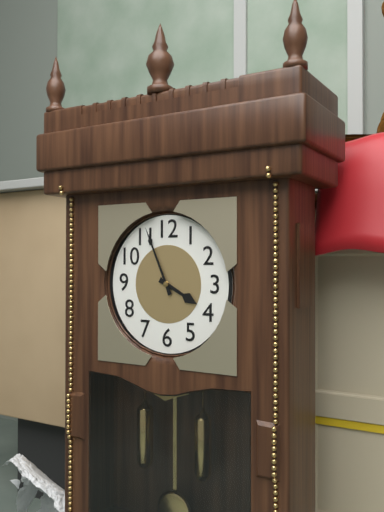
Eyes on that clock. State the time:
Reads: 3:56
